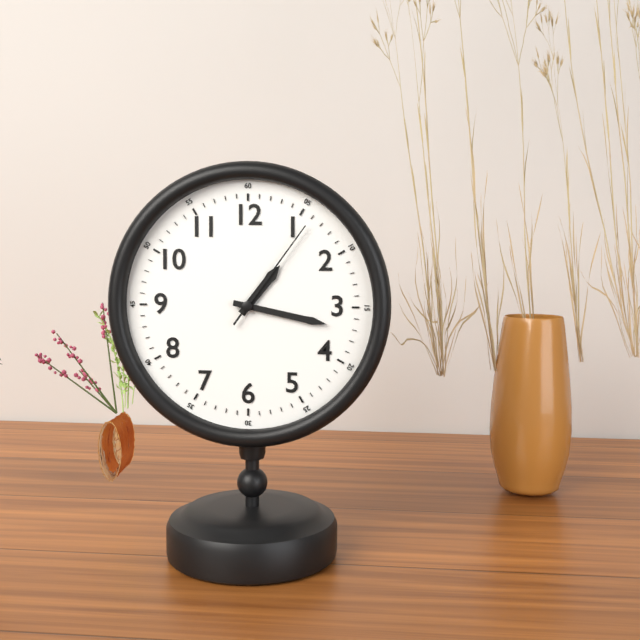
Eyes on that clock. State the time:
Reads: 1:17:06
